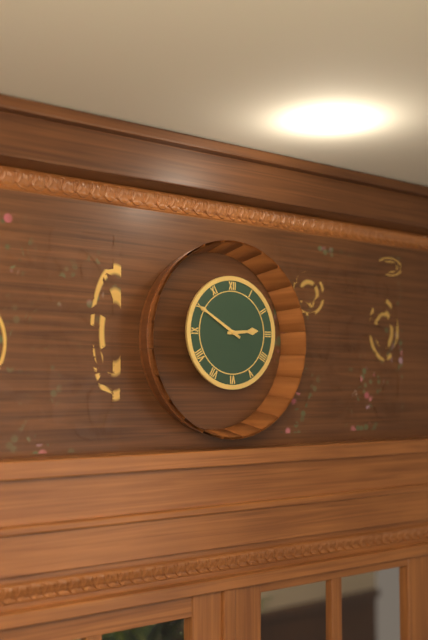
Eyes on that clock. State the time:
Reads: 2:50
